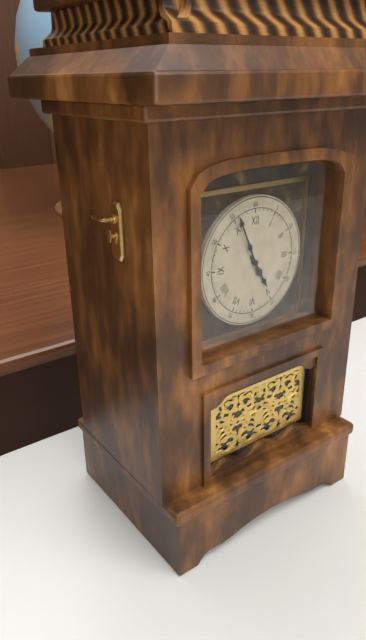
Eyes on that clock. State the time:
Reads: 4:56
